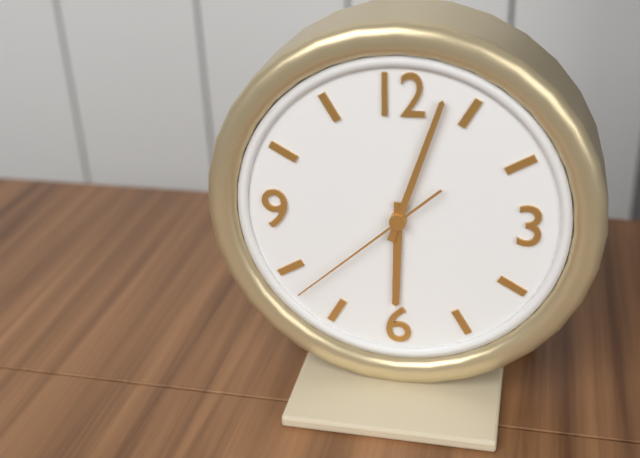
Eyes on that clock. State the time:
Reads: 6:03:38
